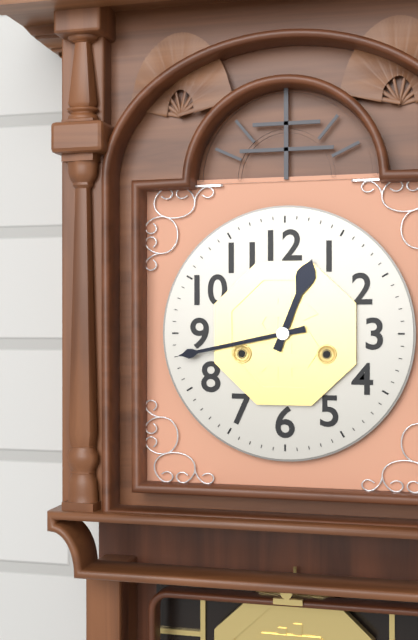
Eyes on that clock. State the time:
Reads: 12:43
